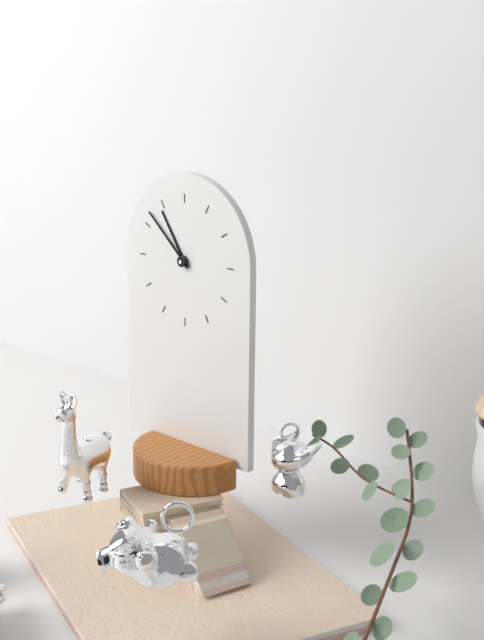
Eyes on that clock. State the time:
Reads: 10:52
